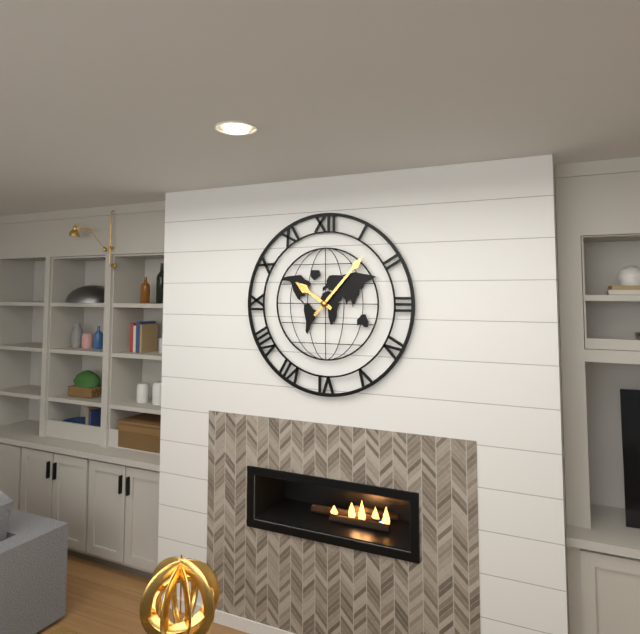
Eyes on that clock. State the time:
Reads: 10:07
